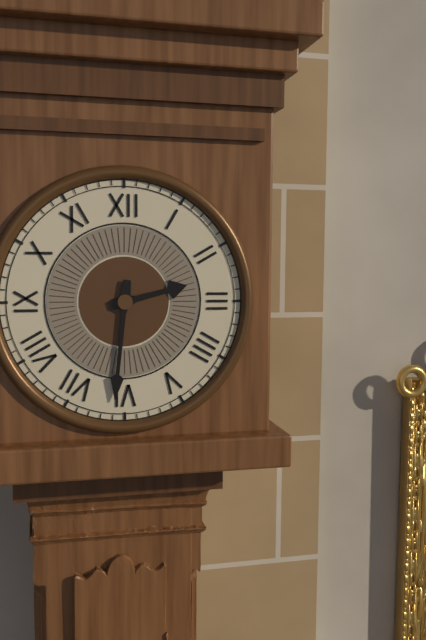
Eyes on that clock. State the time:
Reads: 2:31
